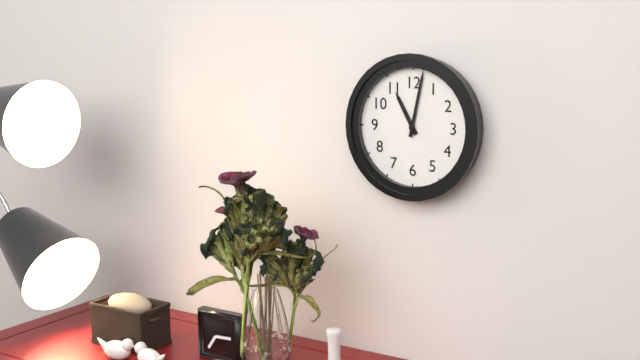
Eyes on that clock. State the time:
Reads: 11:02
